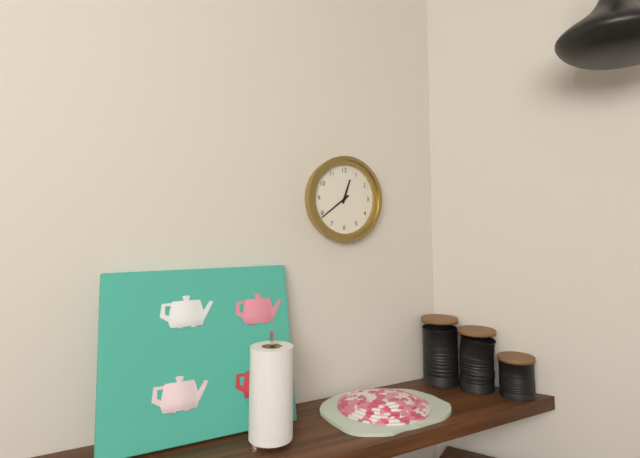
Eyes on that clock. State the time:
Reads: 12:39
